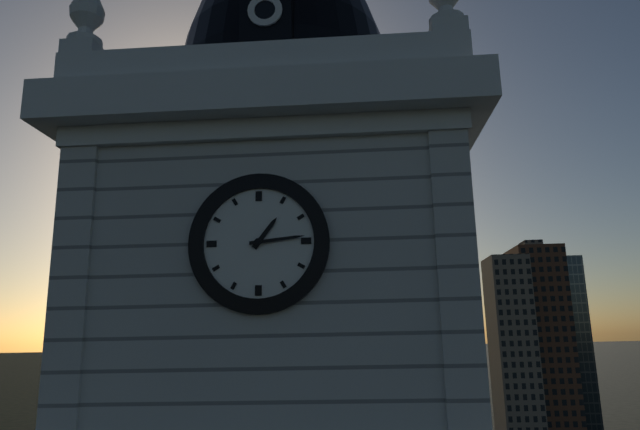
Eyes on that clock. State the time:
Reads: 1:14
